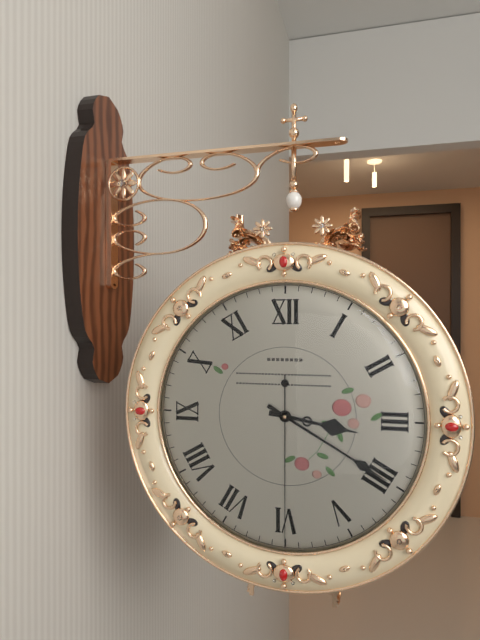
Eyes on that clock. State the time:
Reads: 3:20:30
